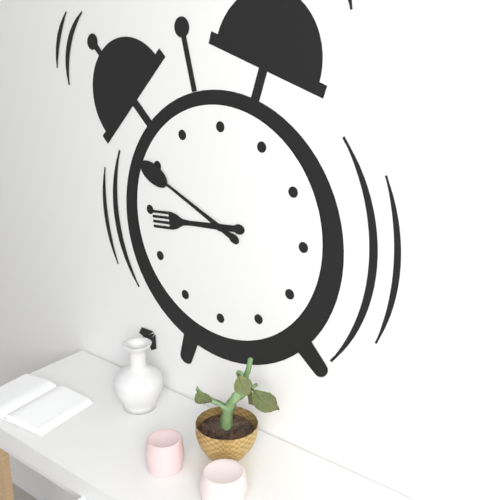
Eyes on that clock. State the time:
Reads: 8:49
